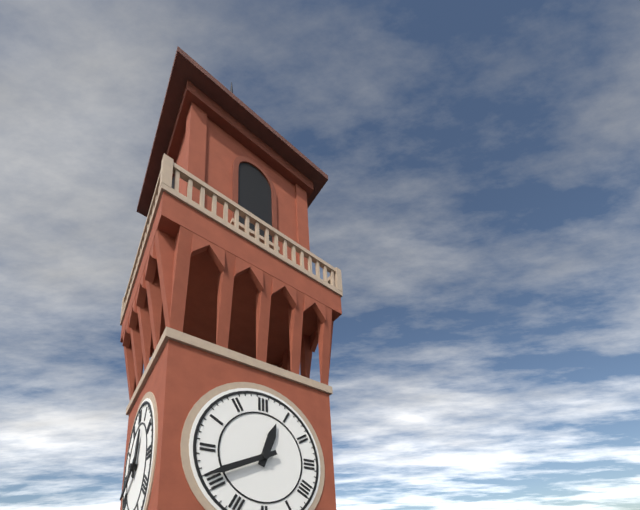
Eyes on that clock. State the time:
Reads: 12:41
